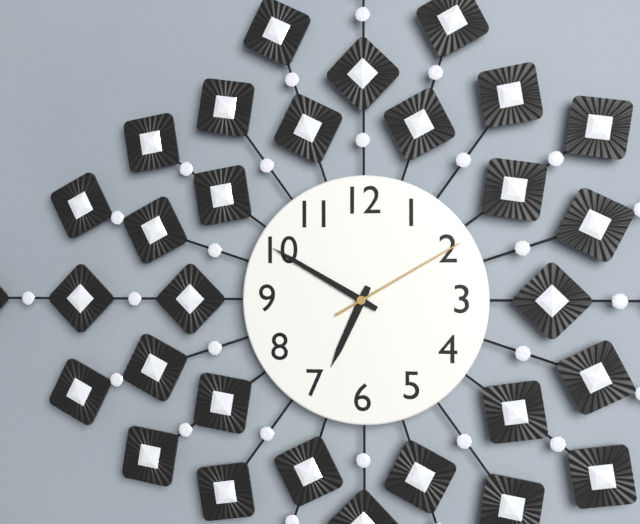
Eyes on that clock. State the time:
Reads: 6:50:10
